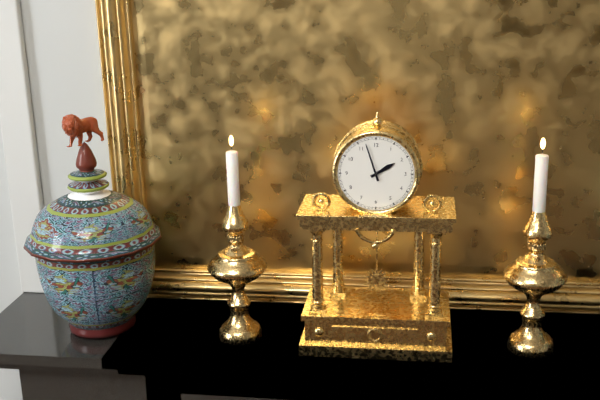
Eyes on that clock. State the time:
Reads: 1:57
